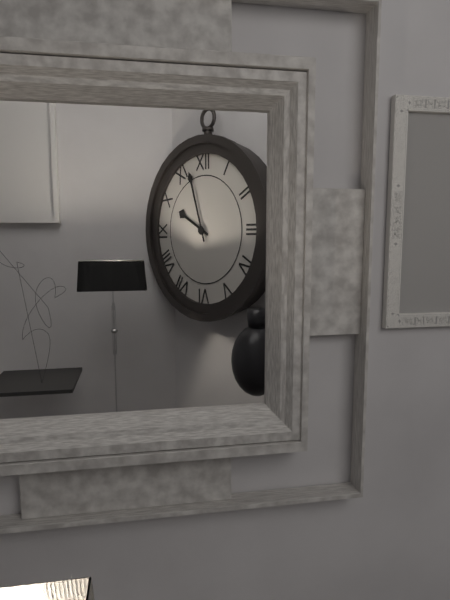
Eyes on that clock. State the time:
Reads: 9:57
